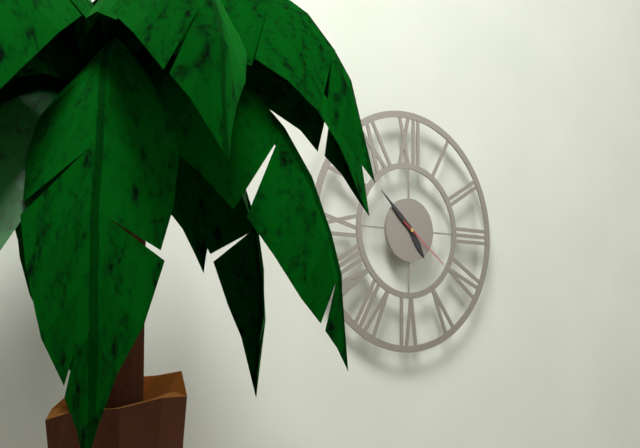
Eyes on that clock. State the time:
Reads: 4:52:21
